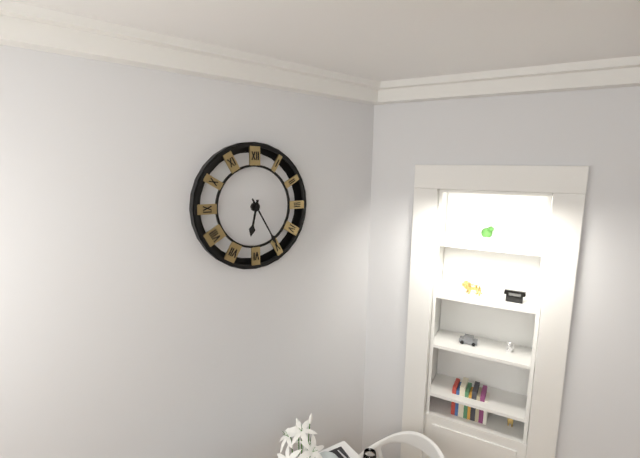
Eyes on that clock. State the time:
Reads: 6:25
